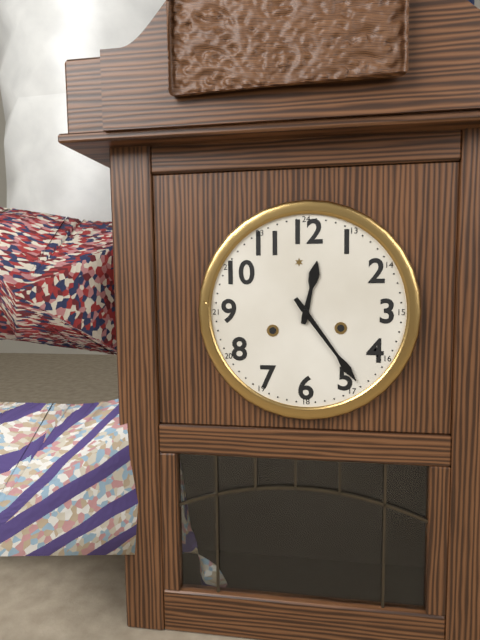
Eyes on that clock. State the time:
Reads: 12:24
